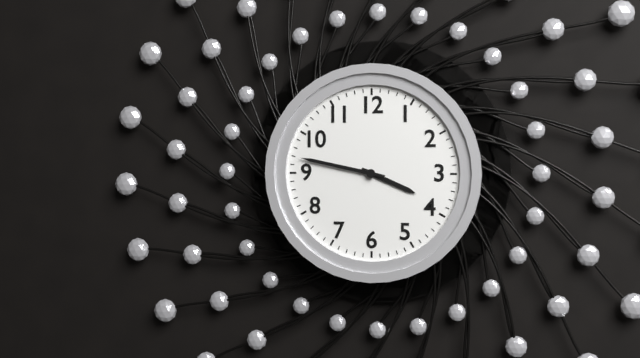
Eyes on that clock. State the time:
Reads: 3:47
